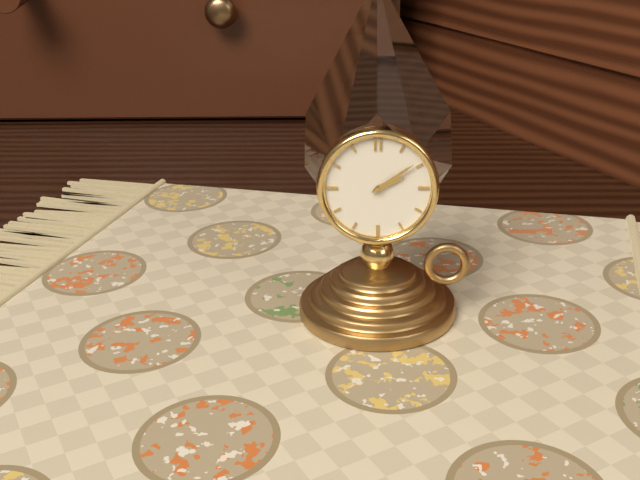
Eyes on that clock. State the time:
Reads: 2:09
